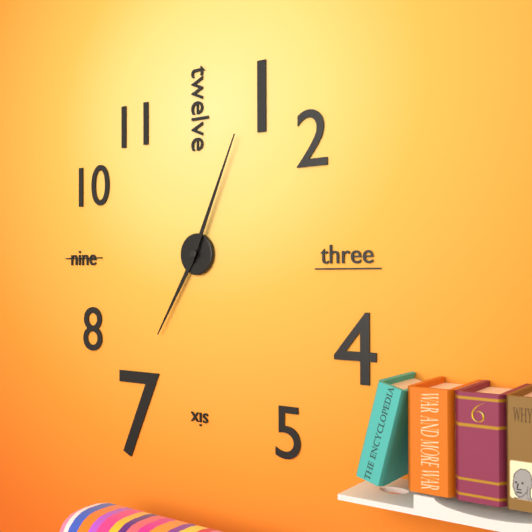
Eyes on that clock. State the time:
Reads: 7:04
